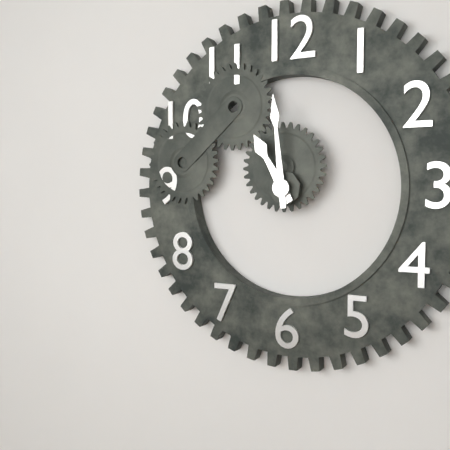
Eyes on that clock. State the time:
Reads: 10:59
